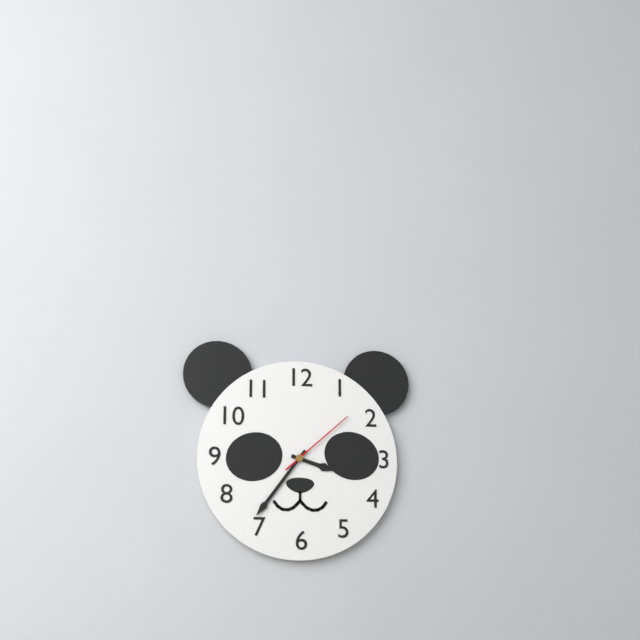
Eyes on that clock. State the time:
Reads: 3:36:08
